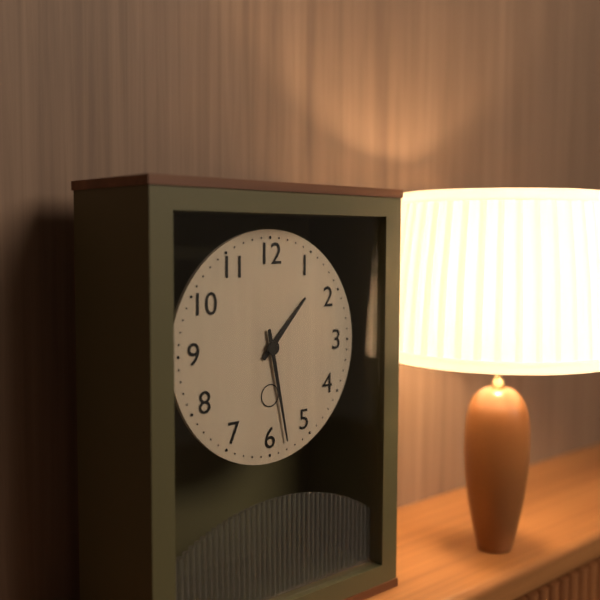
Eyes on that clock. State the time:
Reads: 1:28
